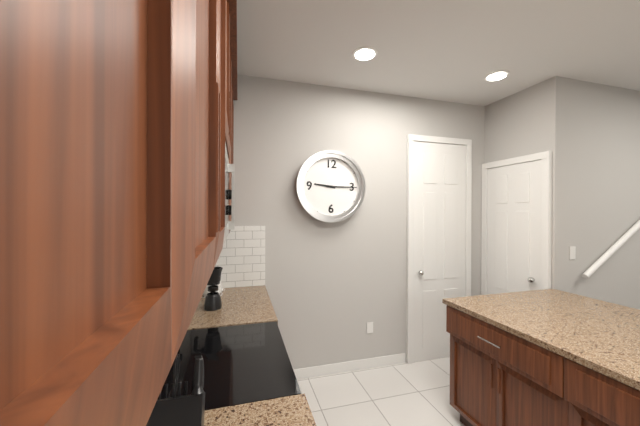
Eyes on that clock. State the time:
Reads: 9:15
